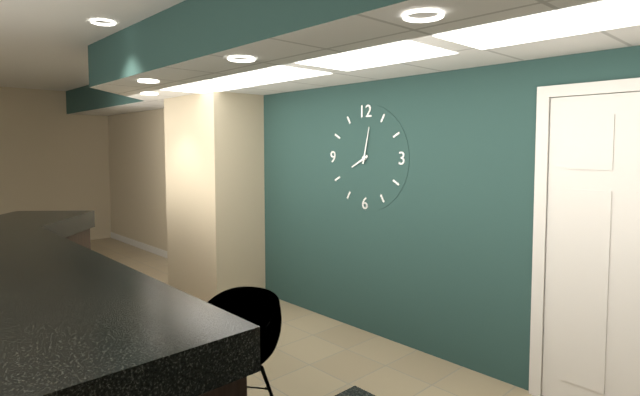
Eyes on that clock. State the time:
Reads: 8:02
